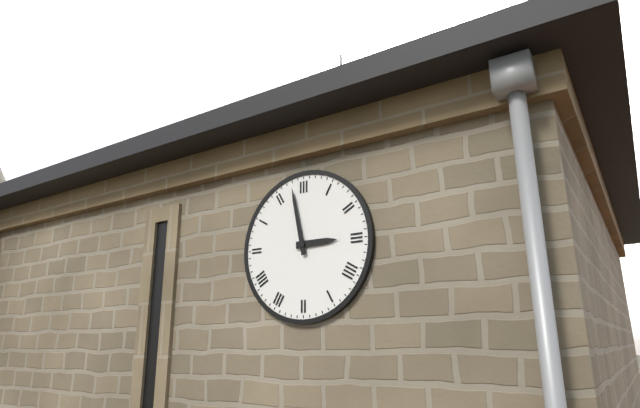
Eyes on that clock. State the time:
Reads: 2:58
